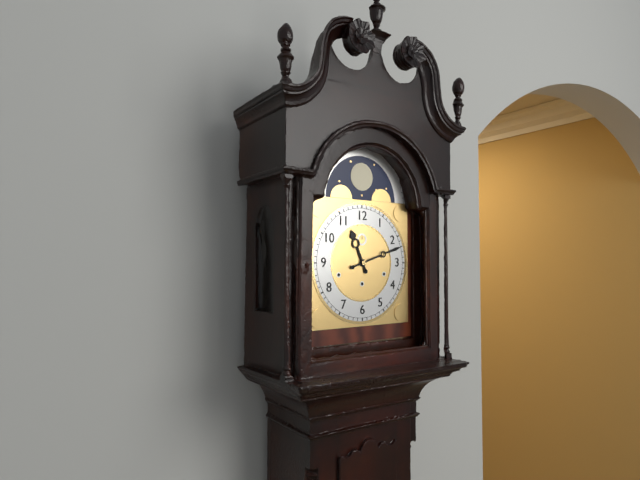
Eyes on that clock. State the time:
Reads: 11:12
